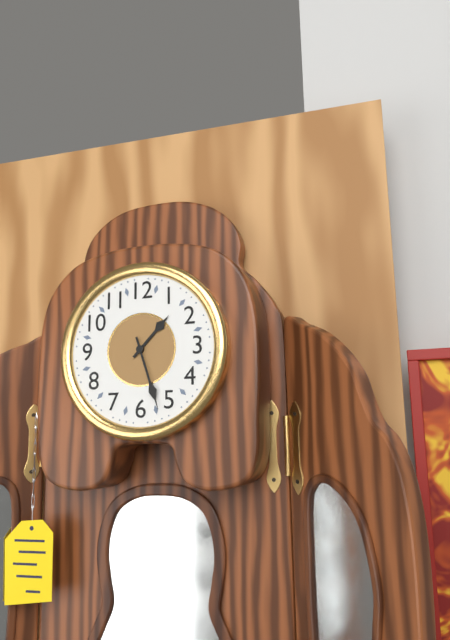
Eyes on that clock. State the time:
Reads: 1:27
